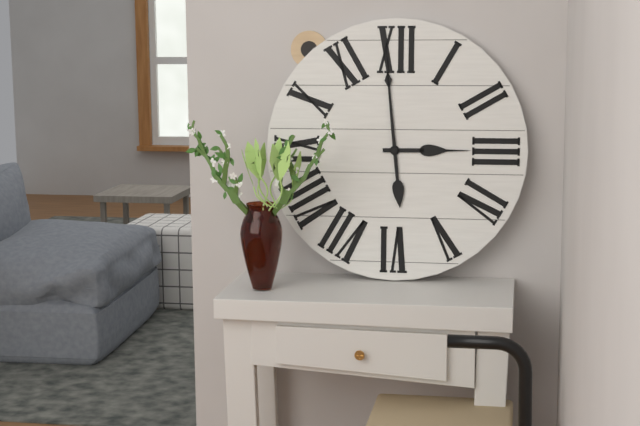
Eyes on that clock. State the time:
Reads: 2:59
